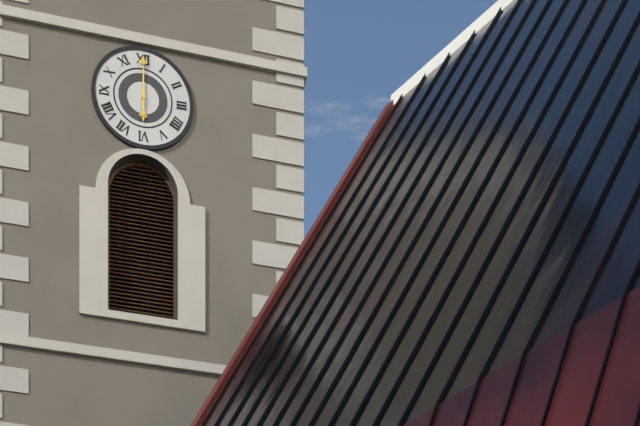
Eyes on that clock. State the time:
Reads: 6:00
